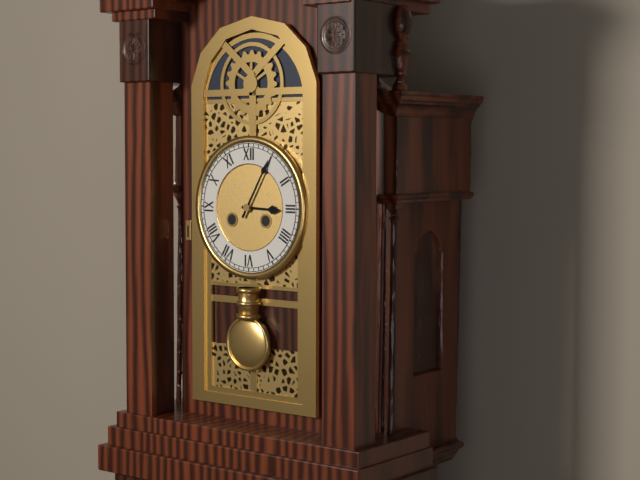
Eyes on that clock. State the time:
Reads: 3:05
